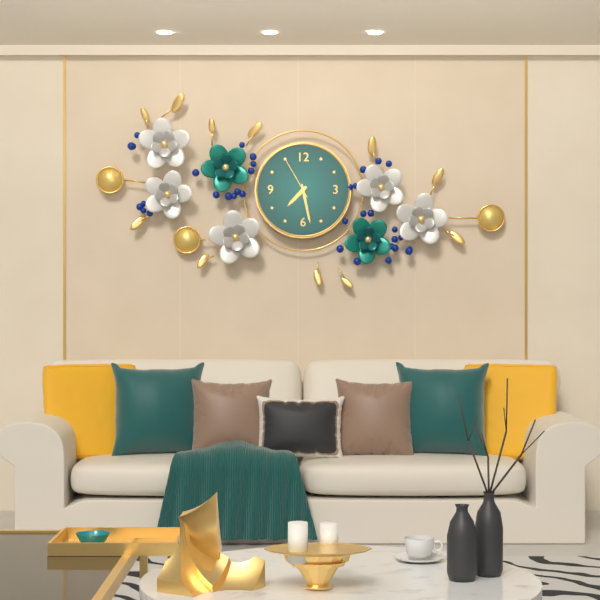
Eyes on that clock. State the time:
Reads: 7:28
